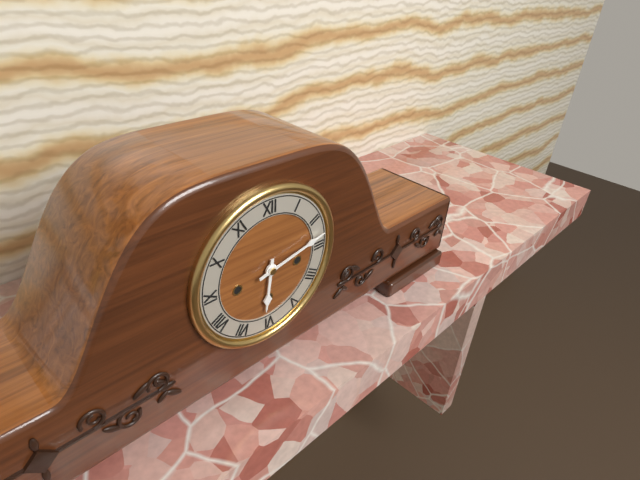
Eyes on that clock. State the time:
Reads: 6:13
